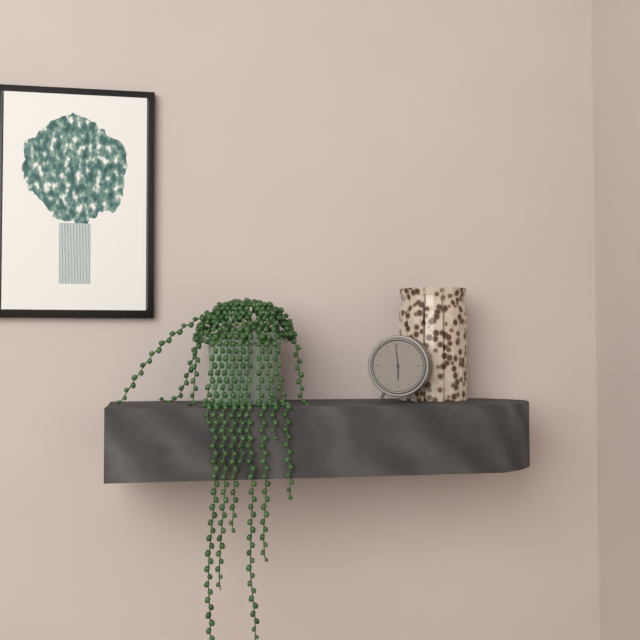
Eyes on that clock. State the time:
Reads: 5:59
